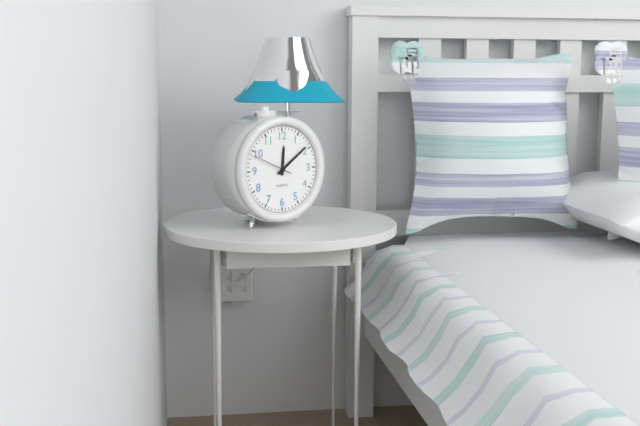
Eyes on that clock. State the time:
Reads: 12:09
